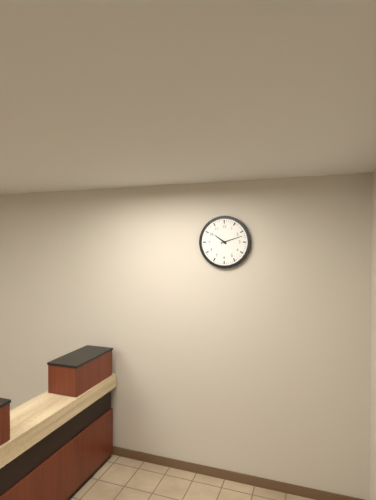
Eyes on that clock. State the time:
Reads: 10:12
